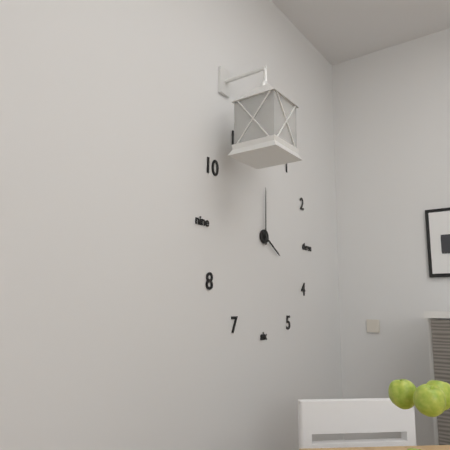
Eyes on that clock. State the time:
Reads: 4:00
